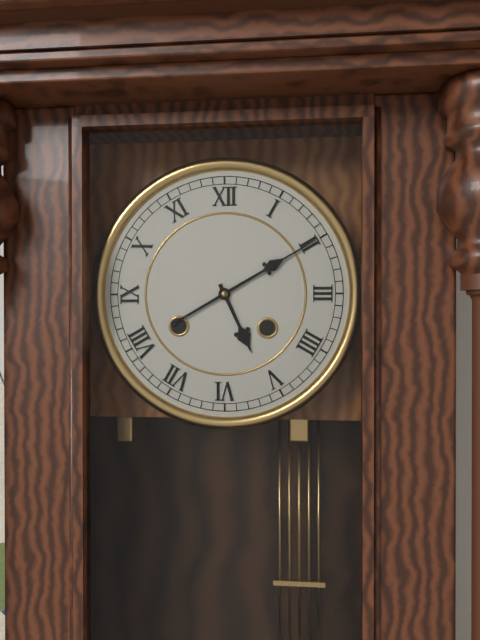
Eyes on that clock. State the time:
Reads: 5:10
